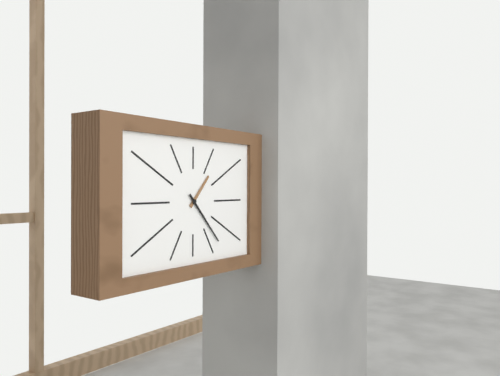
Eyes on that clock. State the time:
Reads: 1:23
